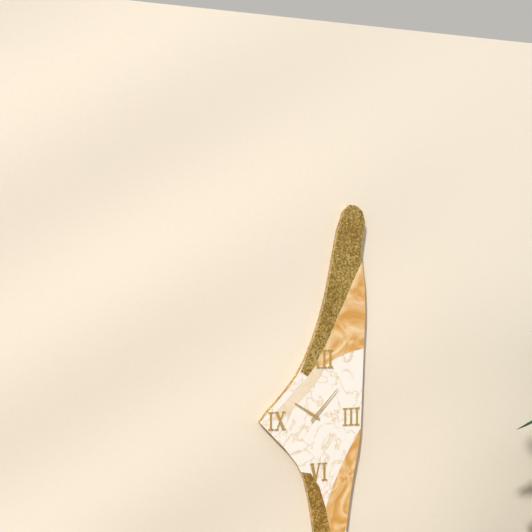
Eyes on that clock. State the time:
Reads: 10:07
